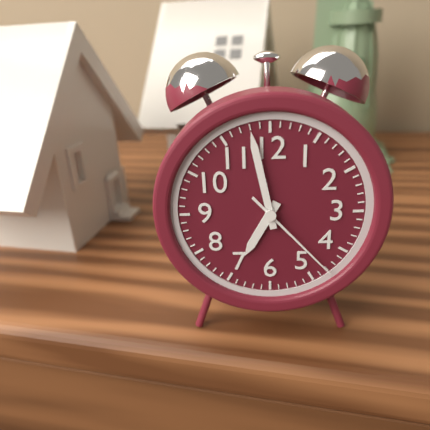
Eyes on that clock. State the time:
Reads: 6:58:23
